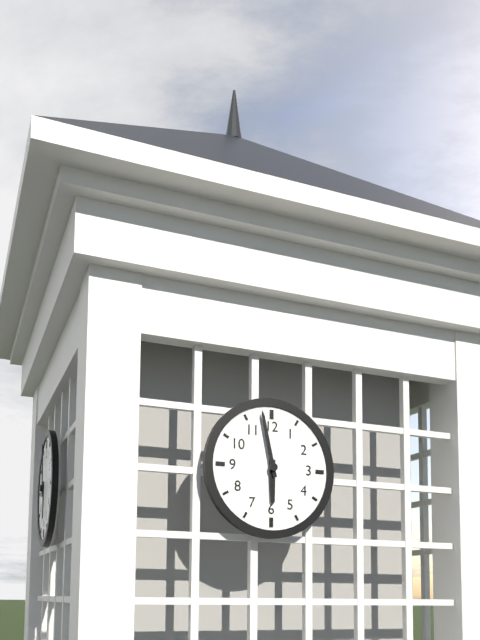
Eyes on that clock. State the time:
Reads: 5:58
